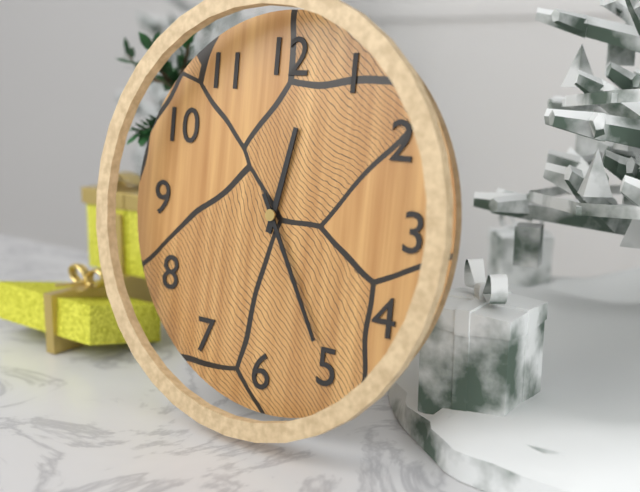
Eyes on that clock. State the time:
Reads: 12:25
